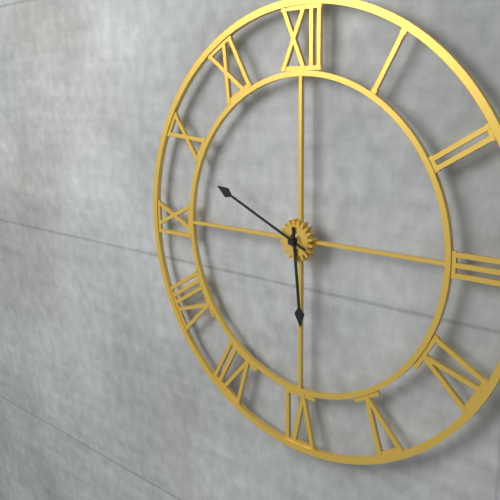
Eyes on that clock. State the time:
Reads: 5:49
